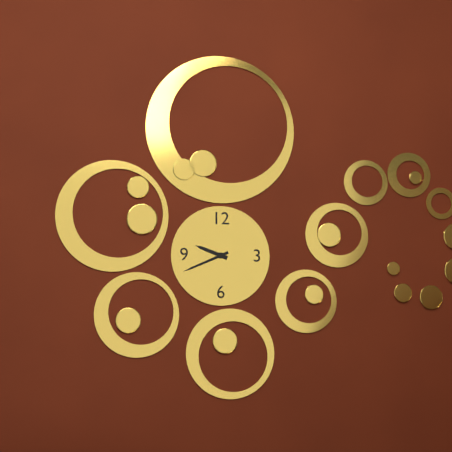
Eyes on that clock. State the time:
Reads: 9:41
